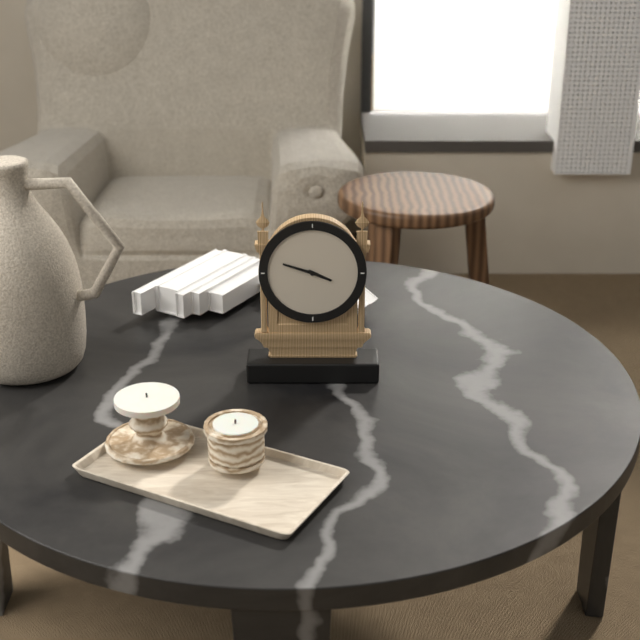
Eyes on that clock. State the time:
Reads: 3:48
